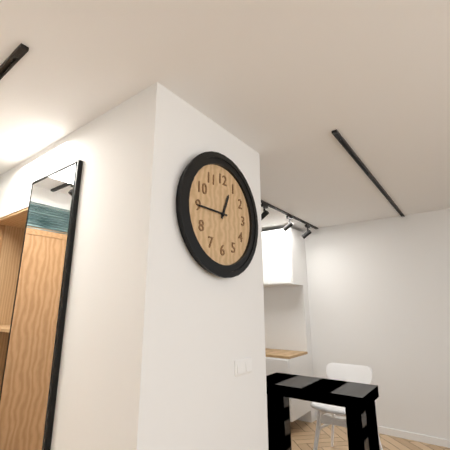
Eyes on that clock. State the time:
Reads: 12:45
